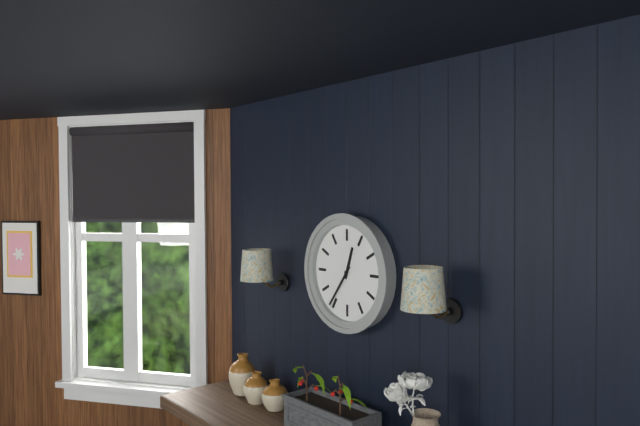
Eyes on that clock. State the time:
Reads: 12:36
